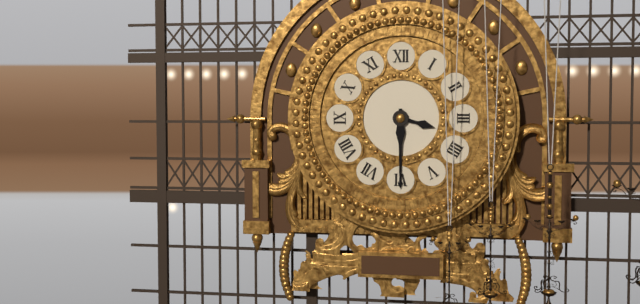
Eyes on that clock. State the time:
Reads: 3:30
